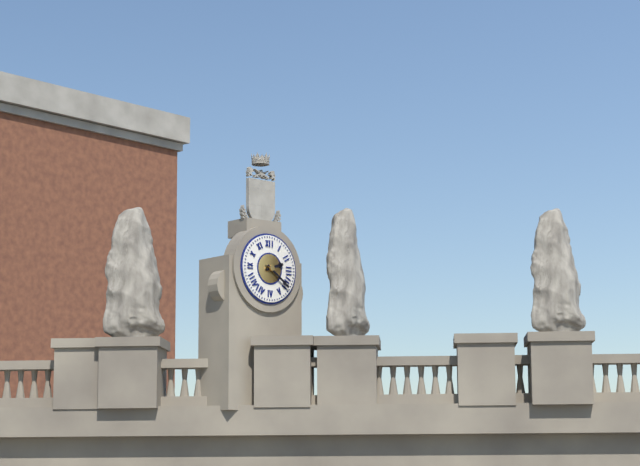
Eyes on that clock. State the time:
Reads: 2:21
